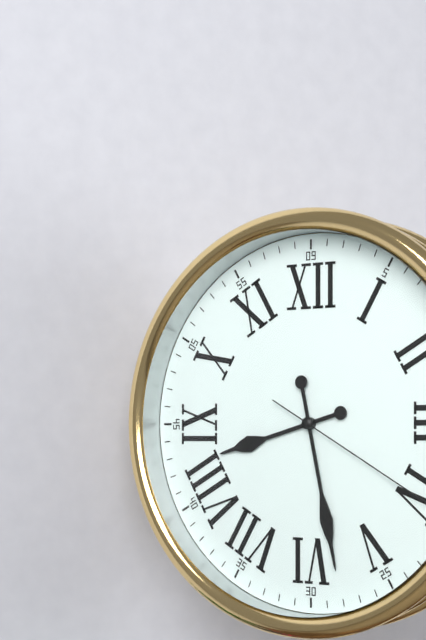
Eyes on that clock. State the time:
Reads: 8:28
